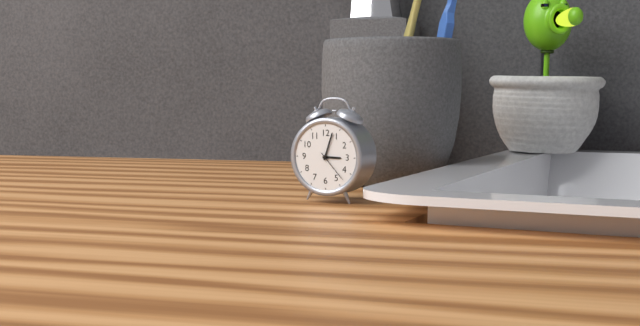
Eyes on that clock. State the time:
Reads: 3:03
